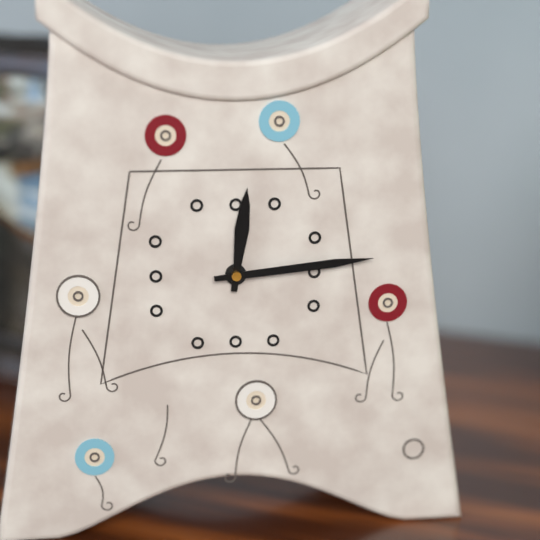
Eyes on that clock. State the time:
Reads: 12:14
